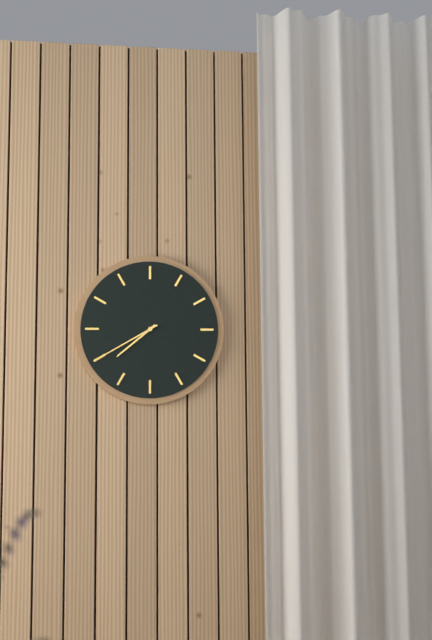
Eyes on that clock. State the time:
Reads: 7:40
